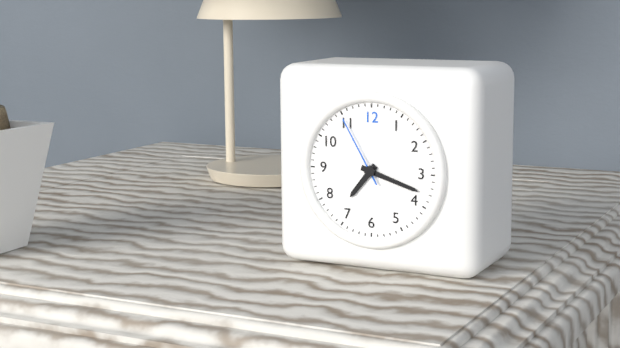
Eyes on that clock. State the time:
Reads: 7:18:55
